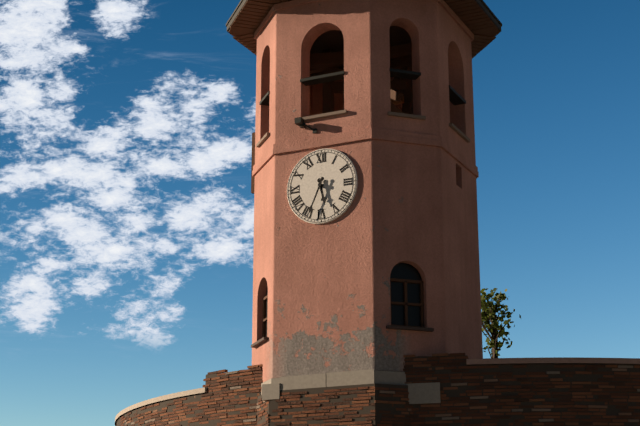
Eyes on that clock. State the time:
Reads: 5:34
